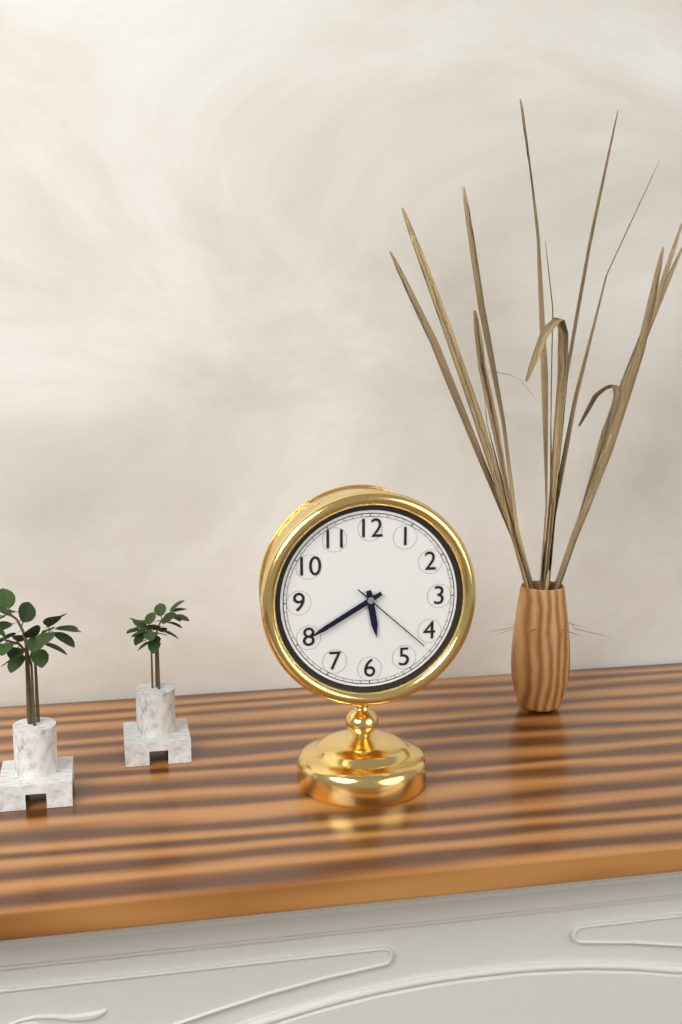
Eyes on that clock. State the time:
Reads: 5:40:22
